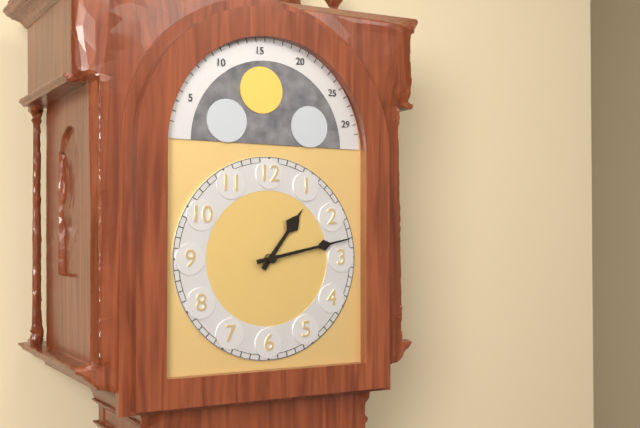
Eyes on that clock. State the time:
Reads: 1:13
